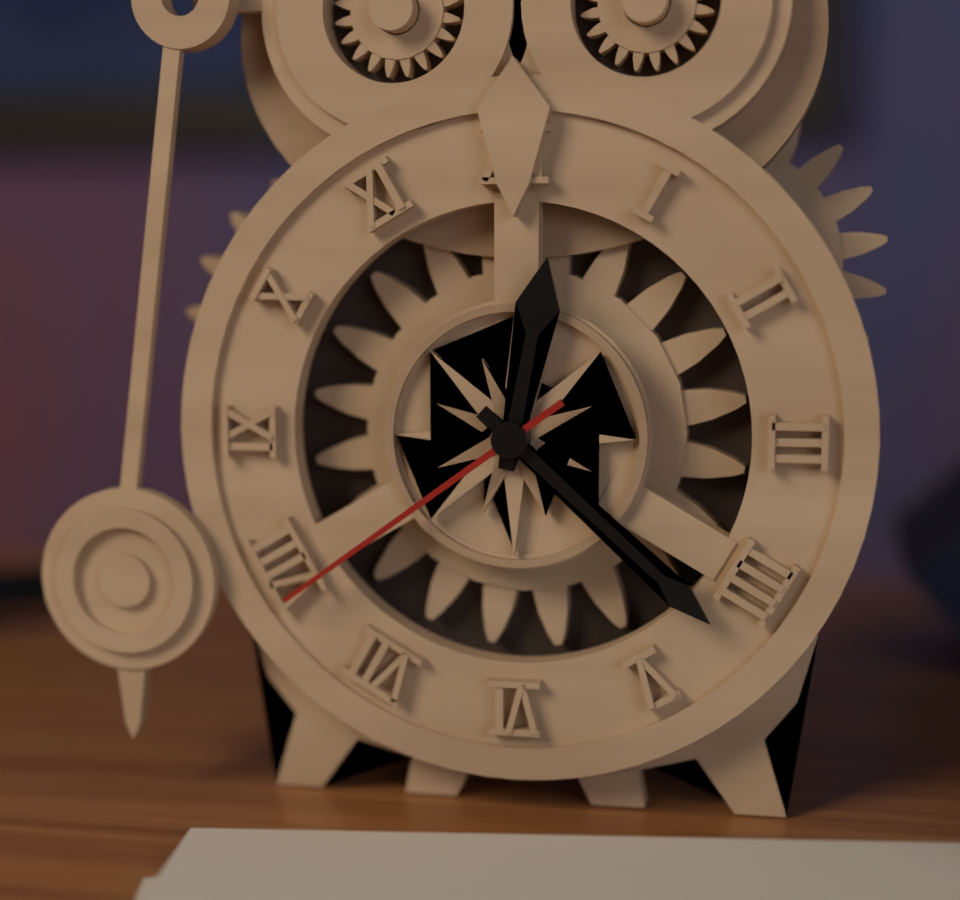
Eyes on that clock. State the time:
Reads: 12:22:39
